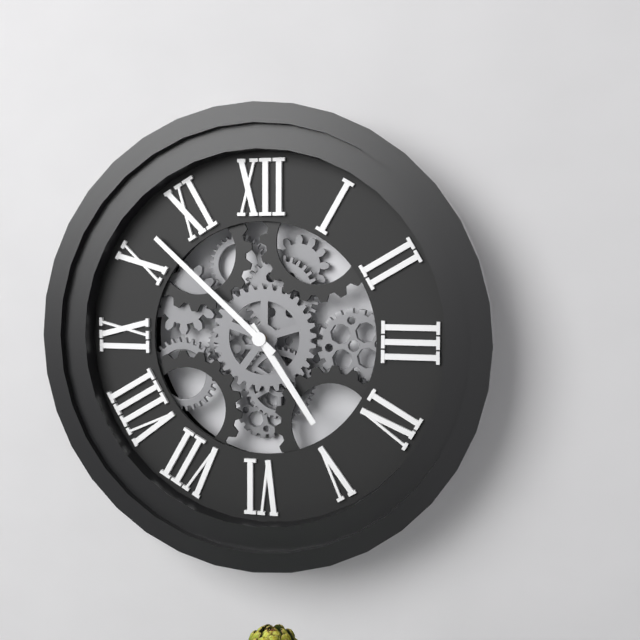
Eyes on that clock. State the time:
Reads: 4:52
